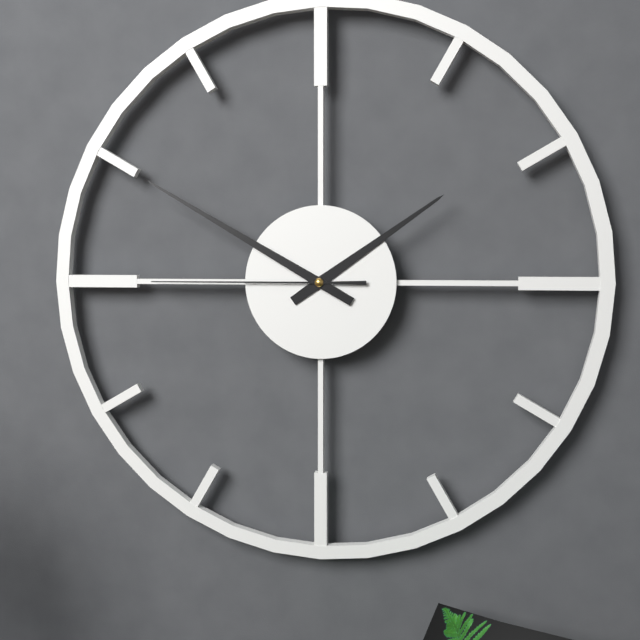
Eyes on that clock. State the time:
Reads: 1:50:45
